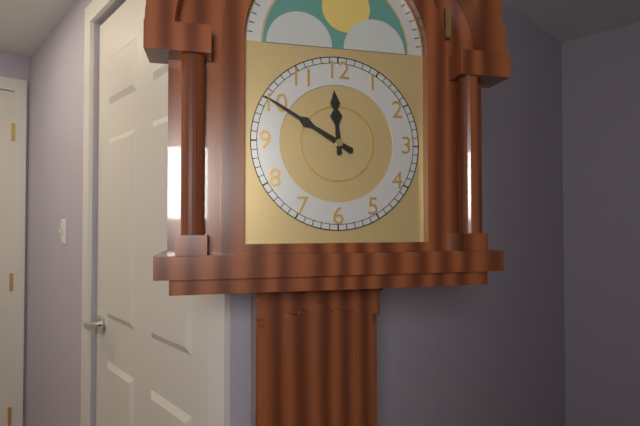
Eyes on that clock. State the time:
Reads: 11:50
